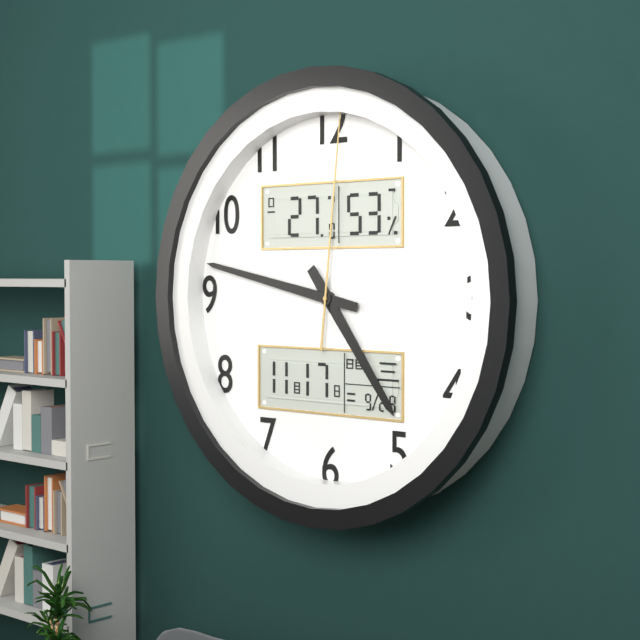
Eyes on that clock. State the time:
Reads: 4:47:01
